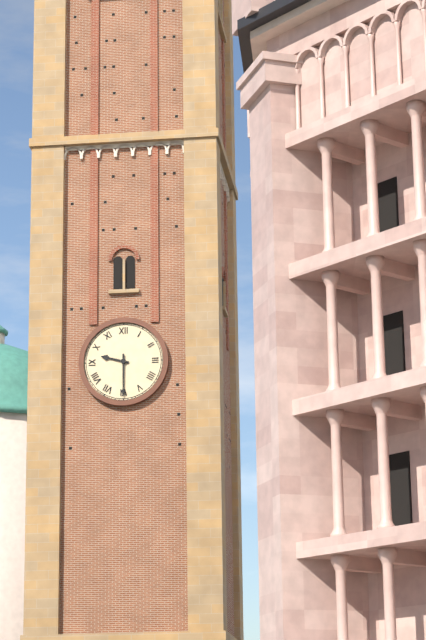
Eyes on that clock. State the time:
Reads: 9:30
